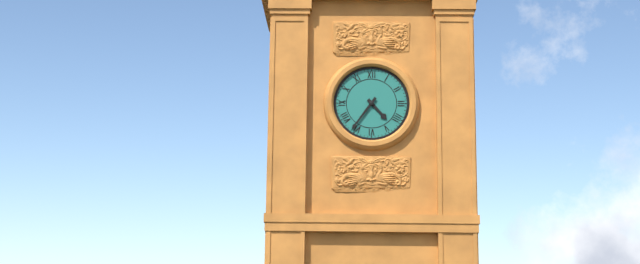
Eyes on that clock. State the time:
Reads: 4:36
